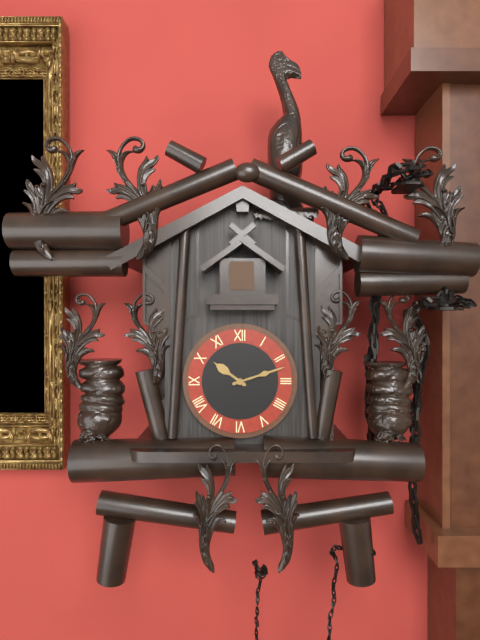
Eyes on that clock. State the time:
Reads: 10:12
